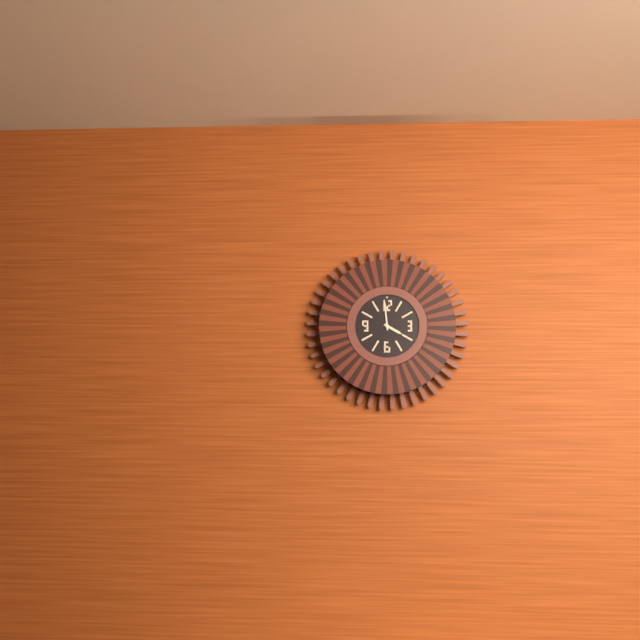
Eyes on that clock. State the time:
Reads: 3:59
